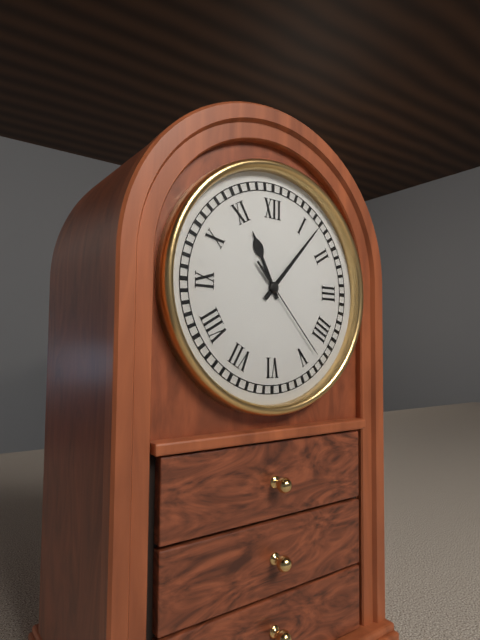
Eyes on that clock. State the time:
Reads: 11:07:23
